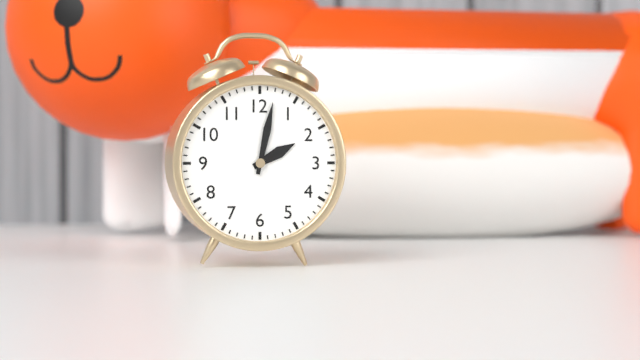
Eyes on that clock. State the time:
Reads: 2:02
